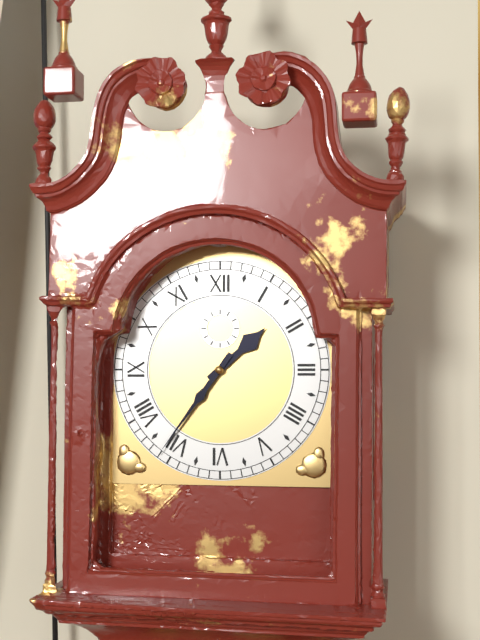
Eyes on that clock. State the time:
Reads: 1:36
